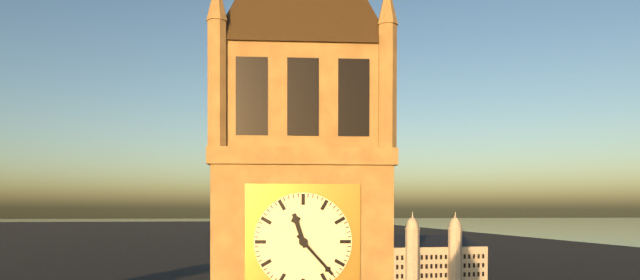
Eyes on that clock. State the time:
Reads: 11:23
